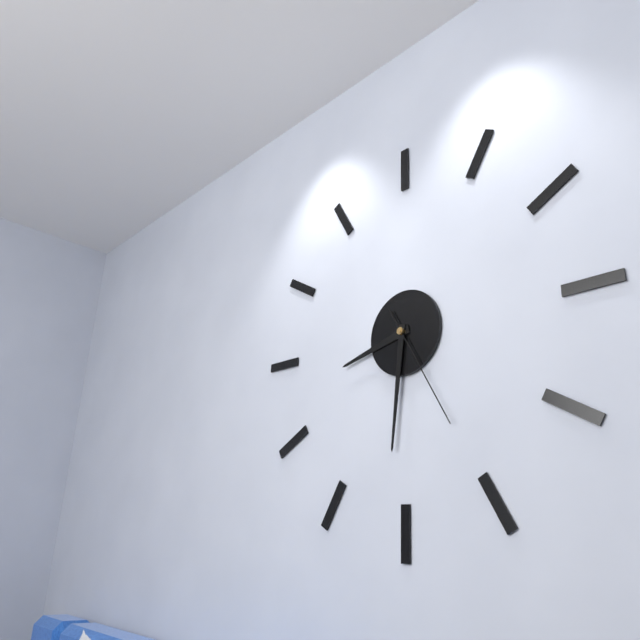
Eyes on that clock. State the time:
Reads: 8:31:25
